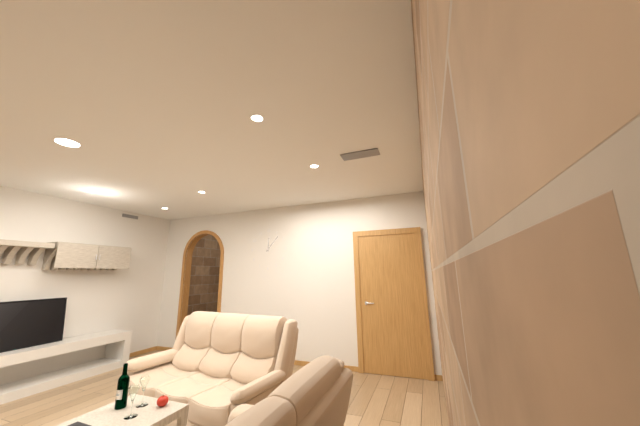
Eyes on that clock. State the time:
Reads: 12:07
